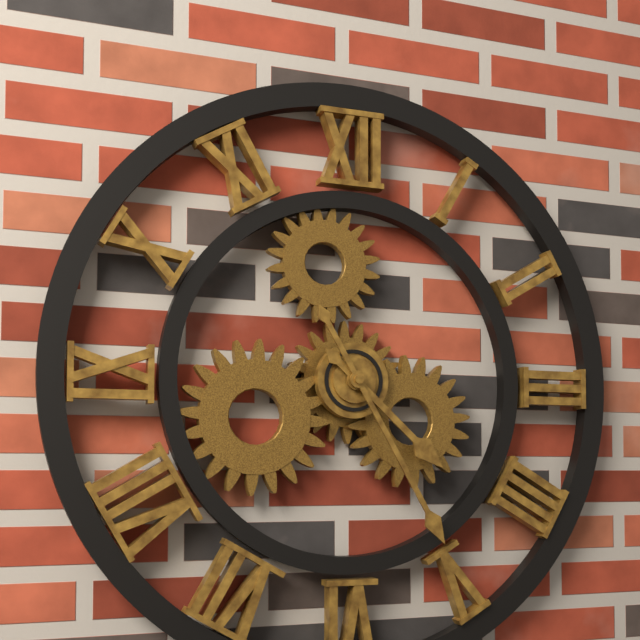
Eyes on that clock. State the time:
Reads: 4:25
